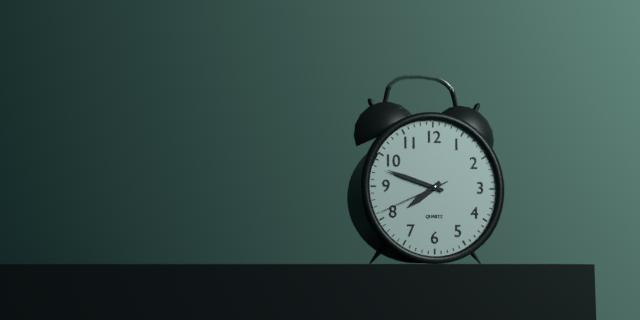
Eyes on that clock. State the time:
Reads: 7:48:41
